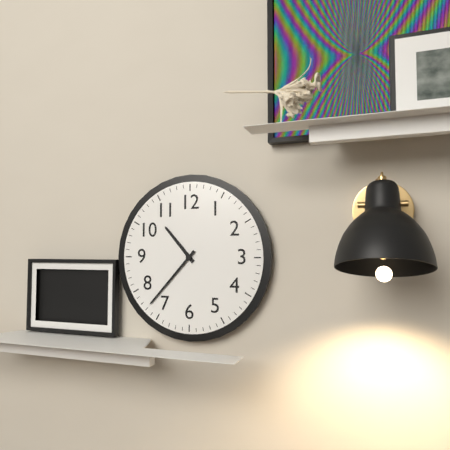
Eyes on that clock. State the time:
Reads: 10:37
